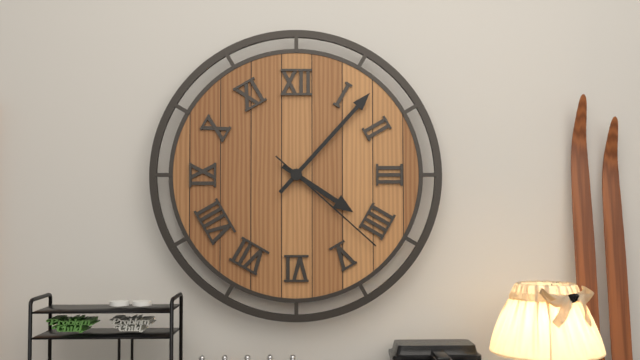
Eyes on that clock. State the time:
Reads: 4:07:22
